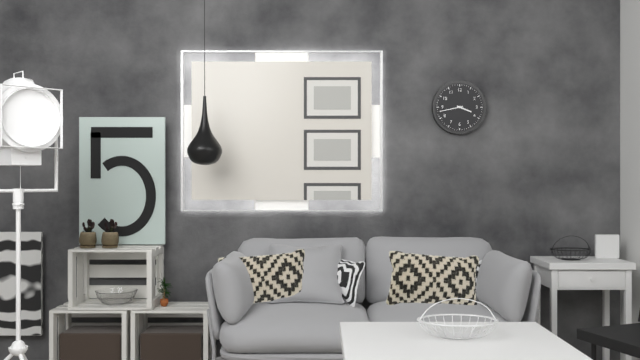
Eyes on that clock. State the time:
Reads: 3:43
